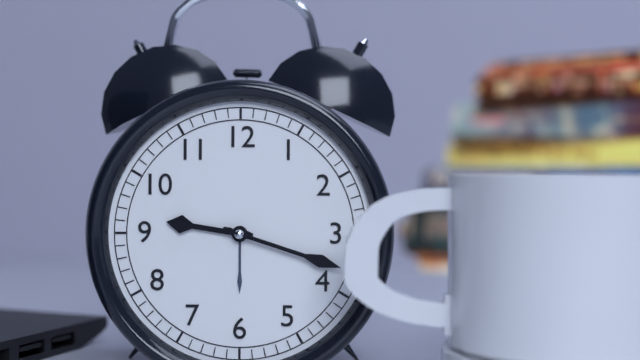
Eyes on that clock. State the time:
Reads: 9:18
